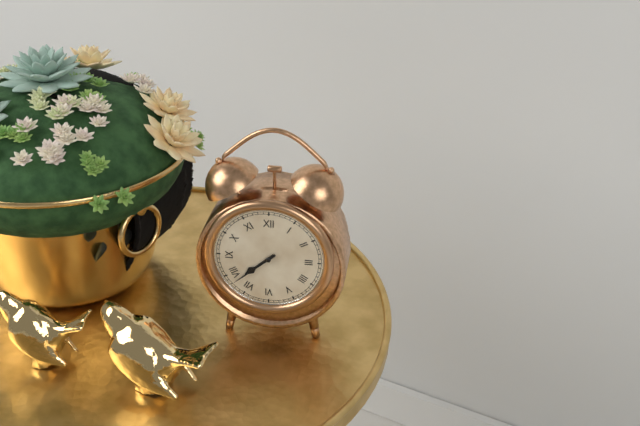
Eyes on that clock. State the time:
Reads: 7:38
